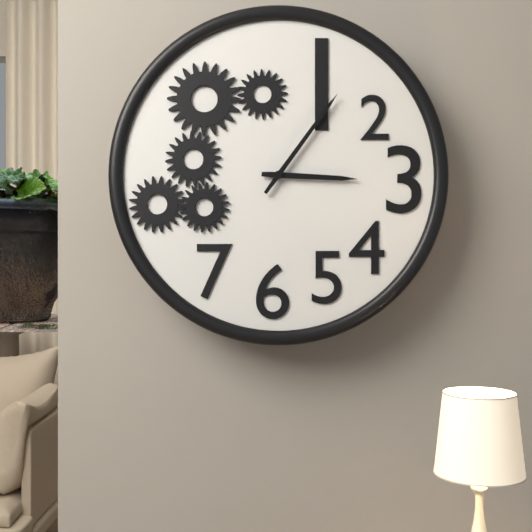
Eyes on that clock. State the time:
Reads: 3:06
